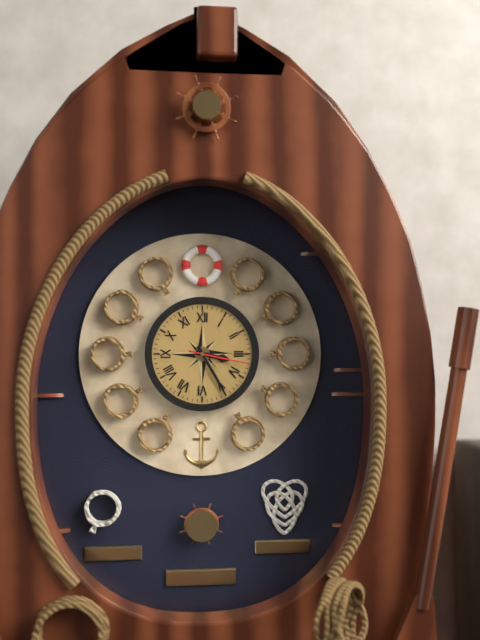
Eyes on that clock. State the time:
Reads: 3:25:17
